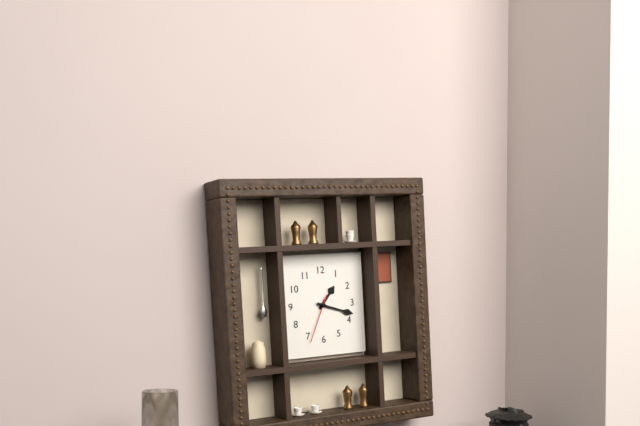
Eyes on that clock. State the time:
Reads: 1:18
